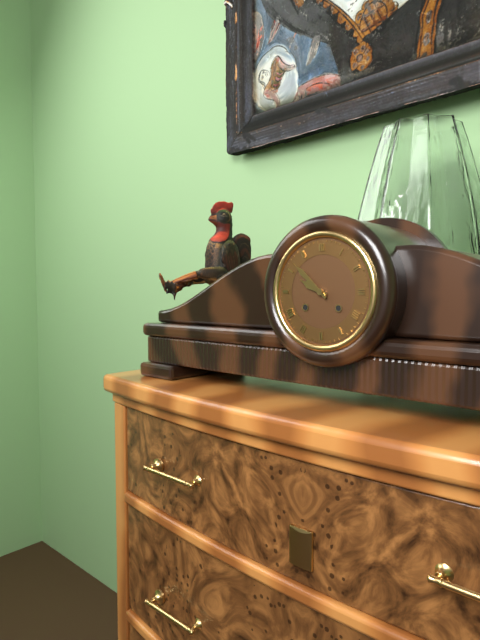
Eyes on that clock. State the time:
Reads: 9:52
